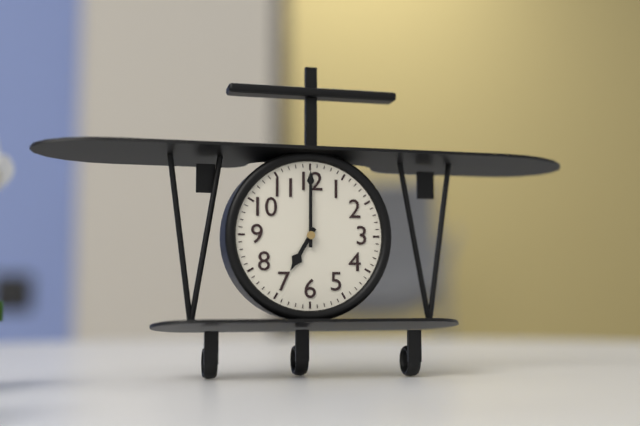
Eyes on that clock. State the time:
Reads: 7:00
